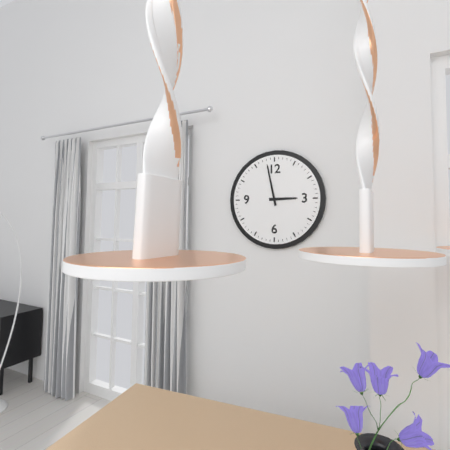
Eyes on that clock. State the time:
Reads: 2:58
